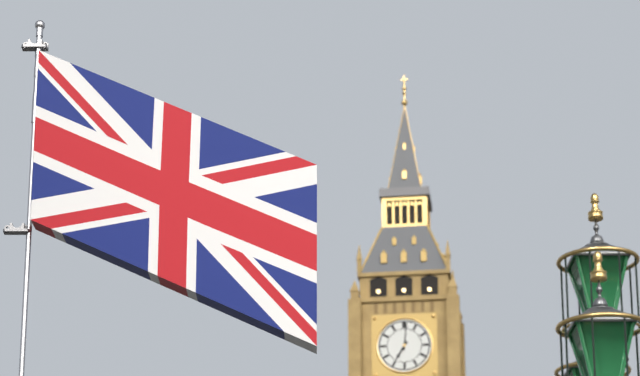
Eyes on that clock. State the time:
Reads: 7:01
